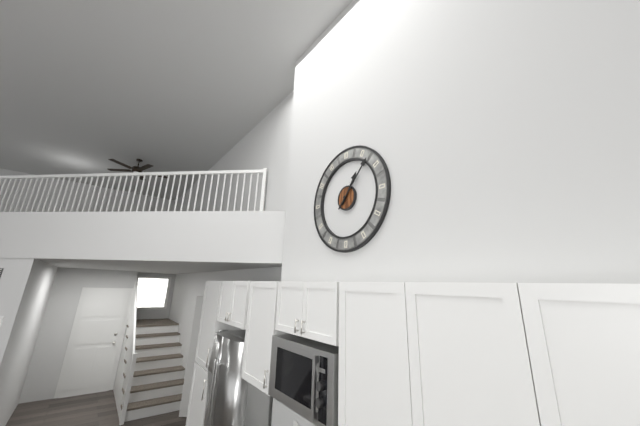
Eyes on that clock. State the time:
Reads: 1:07
